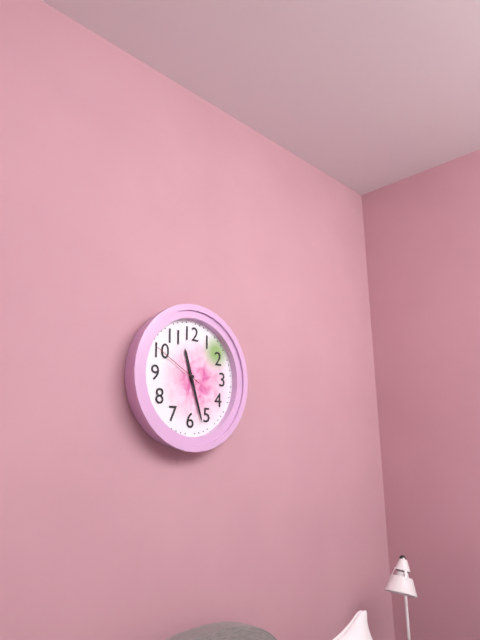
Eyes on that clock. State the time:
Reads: 11:27:50
